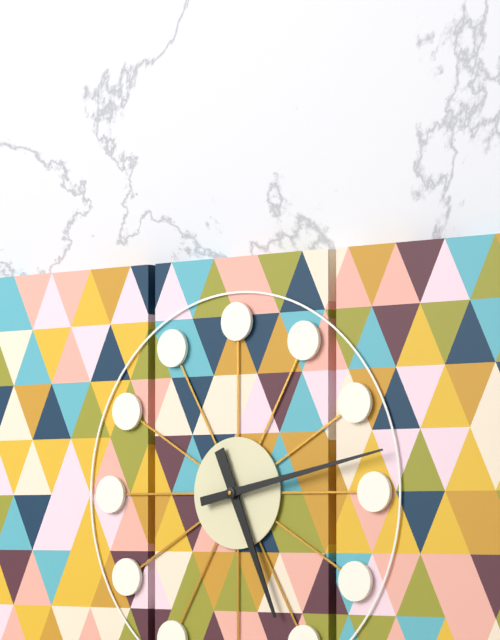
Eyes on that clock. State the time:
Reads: 5:13
